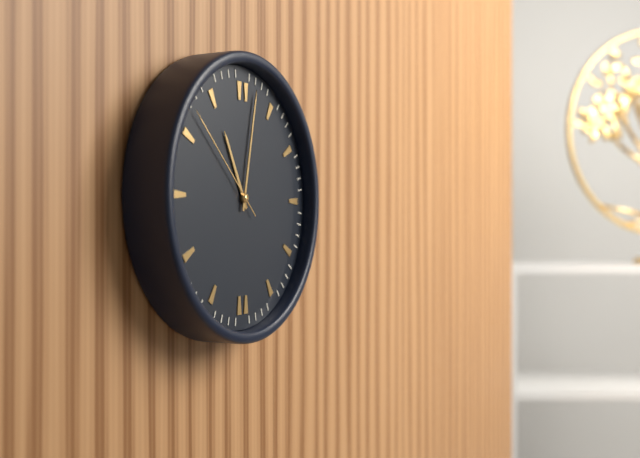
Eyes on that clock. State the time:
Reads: 11:02:52
